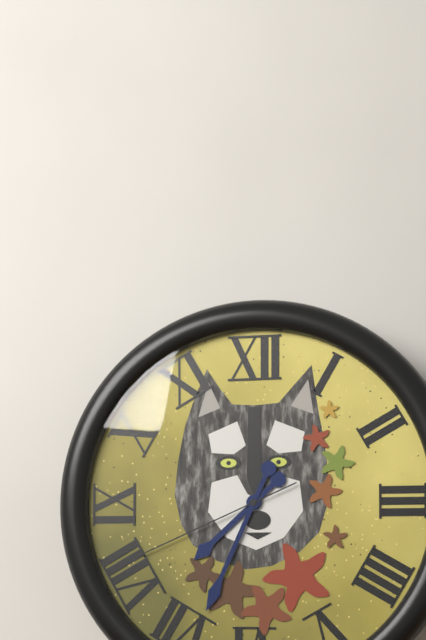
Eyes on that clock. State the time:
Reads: 7:34:41
